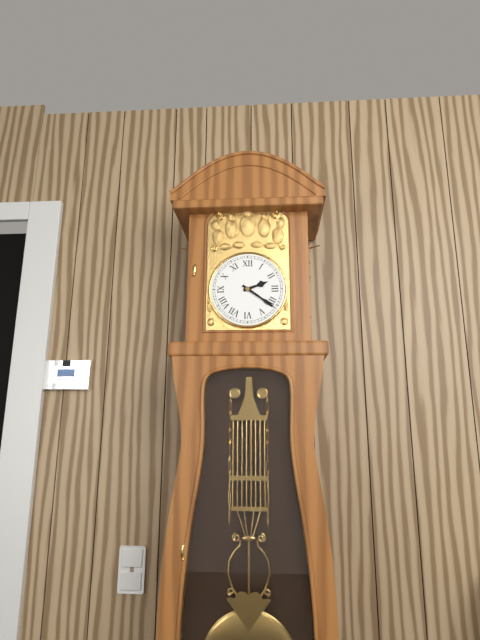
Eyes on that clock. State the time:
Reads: 2:21
